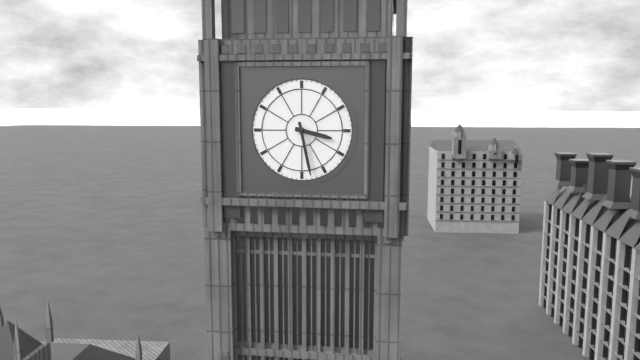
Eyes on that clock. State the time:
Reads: 3:28
